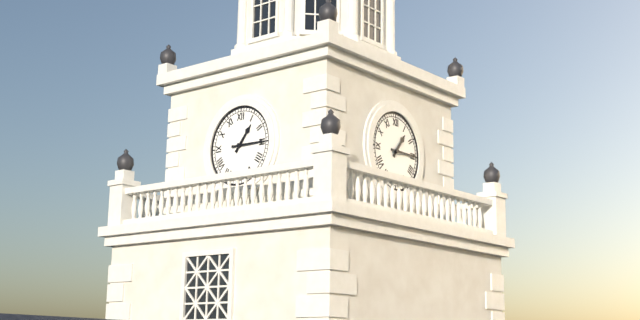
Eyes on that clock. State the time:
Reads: 1:15
